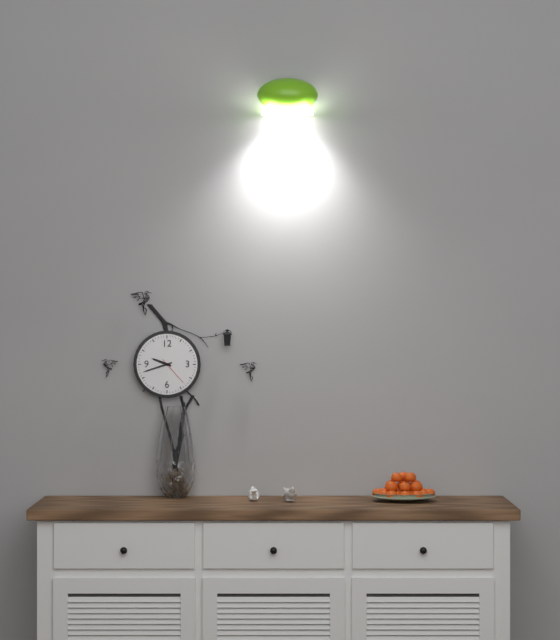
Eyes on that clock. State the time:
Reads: 9:42
